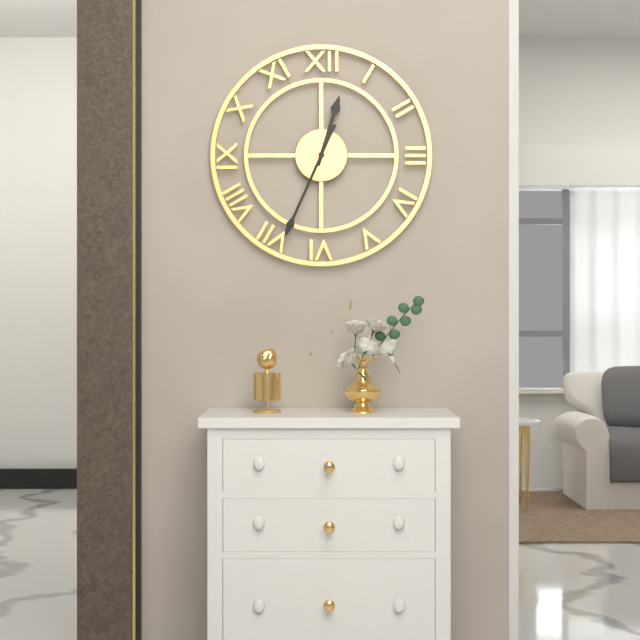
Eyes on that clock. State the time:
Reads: 12:34
